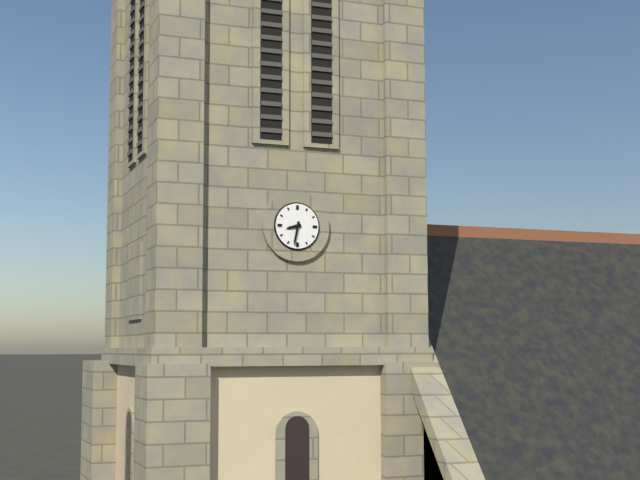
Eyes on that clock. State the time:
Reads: 8:32
